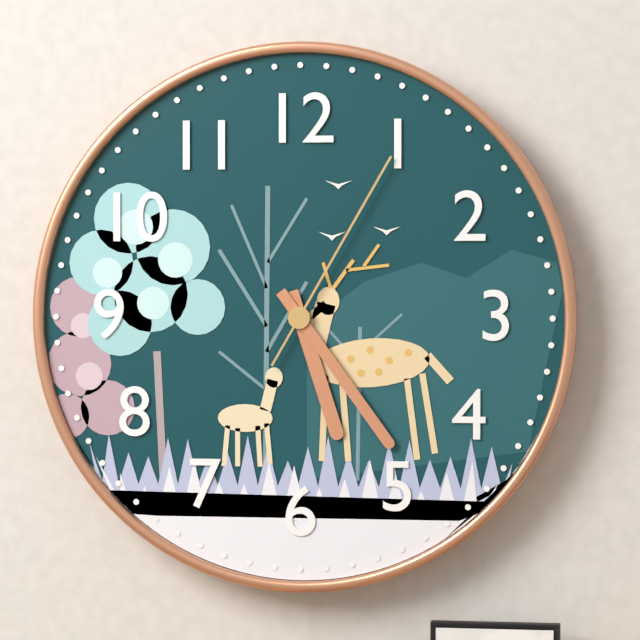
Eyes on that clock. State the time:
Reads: 5:24:05
